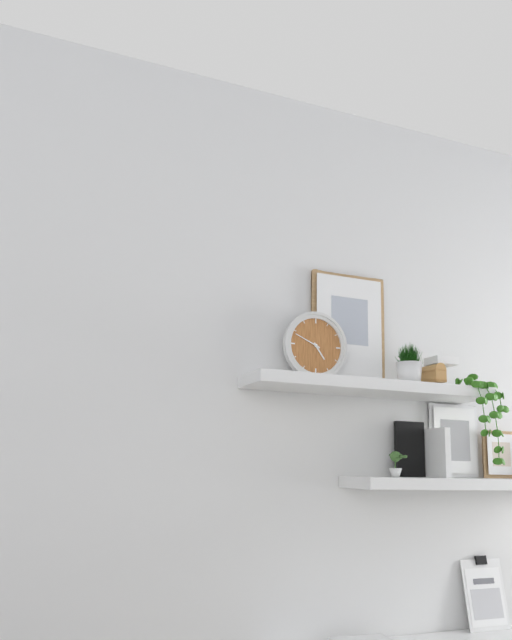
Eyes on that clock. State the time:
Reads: 4:49
